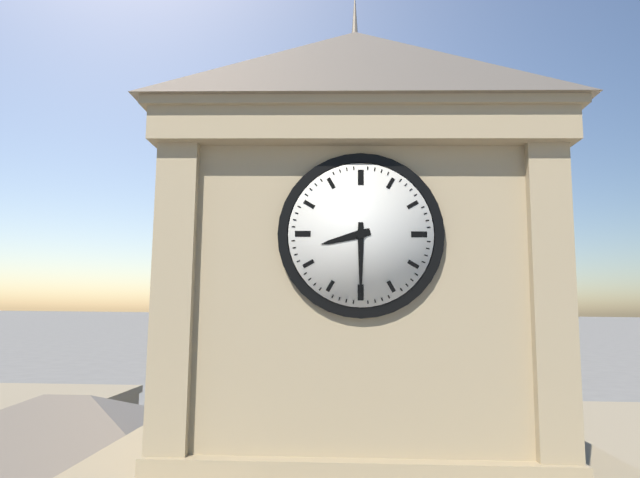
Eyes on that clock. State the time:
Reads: 8:30
